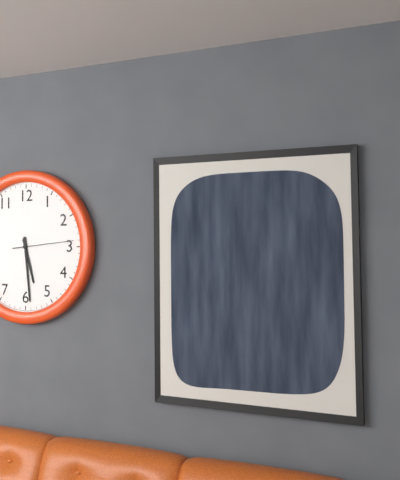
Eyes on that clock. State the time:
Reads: 5:29:14
